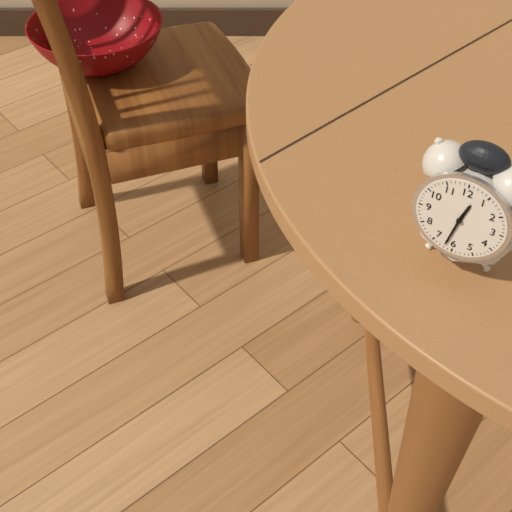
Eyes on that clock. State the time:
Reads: 12:32
